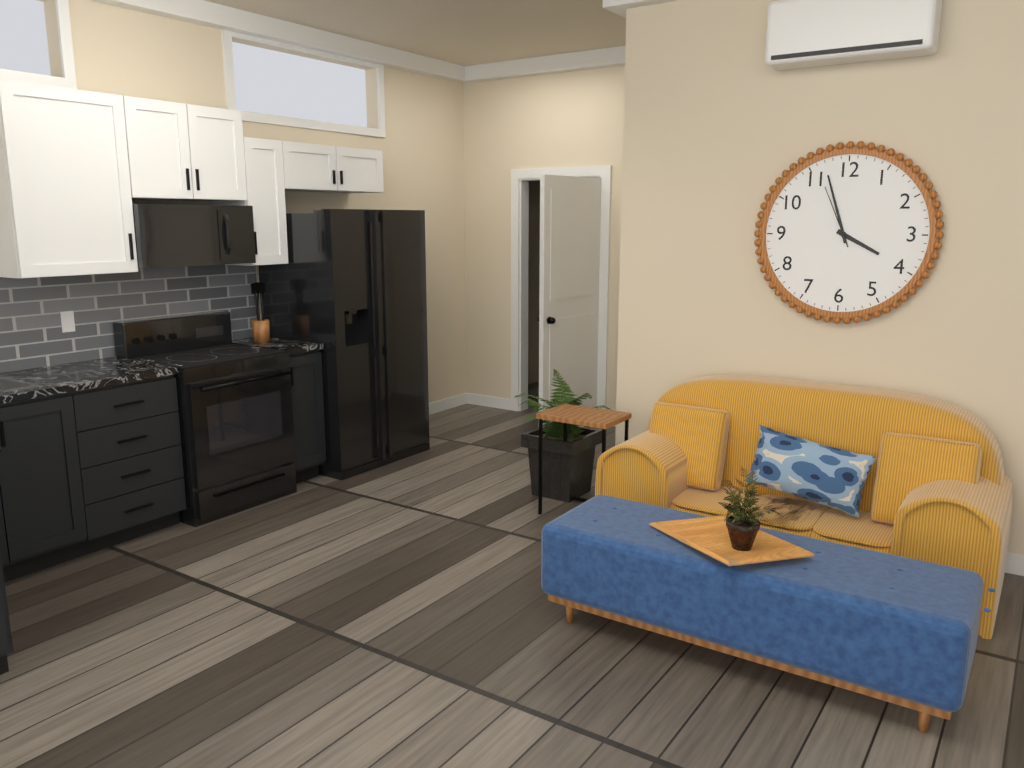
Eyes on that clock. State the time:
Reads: 3:57:56
